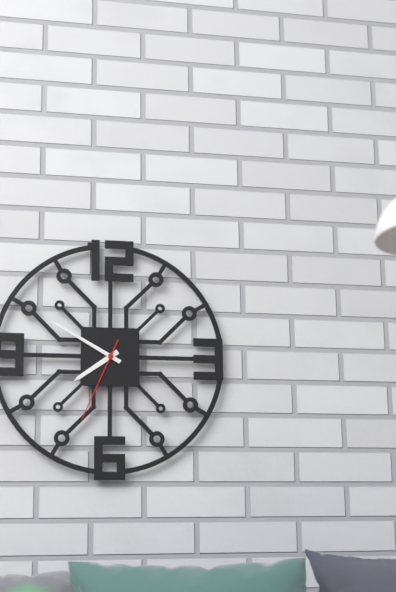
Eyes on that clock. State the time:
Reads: 7:50:34
